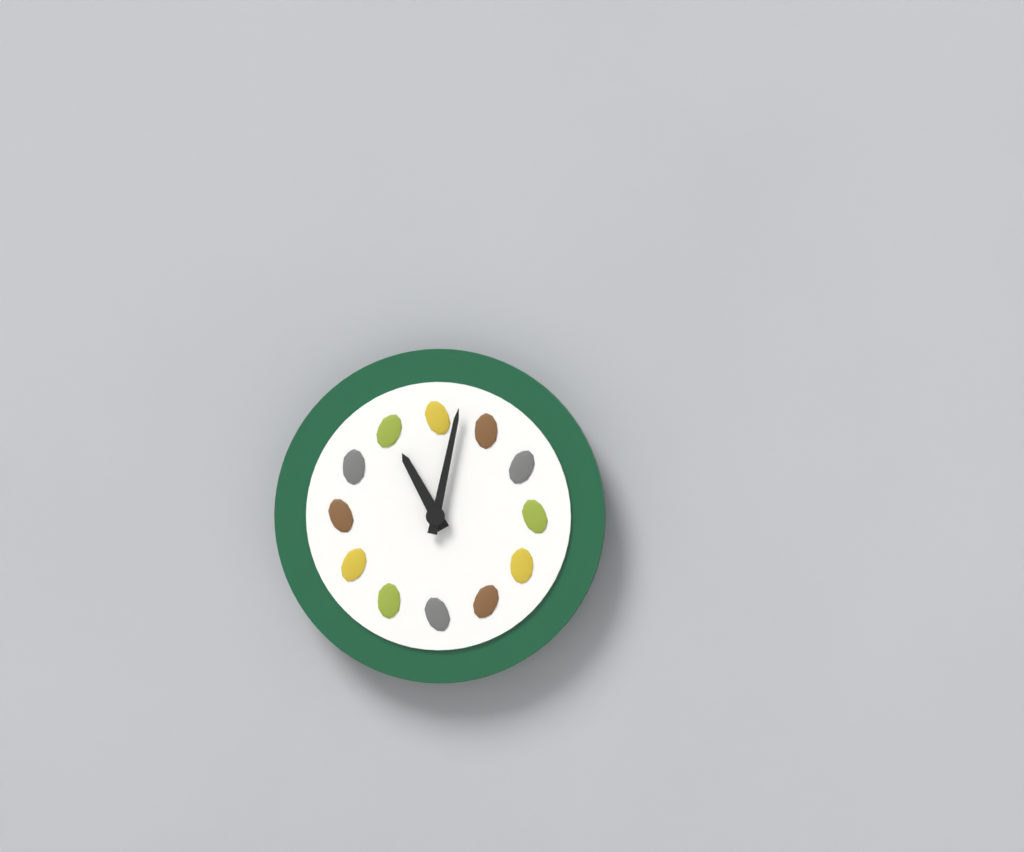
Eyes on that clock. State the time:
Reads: 11:02
